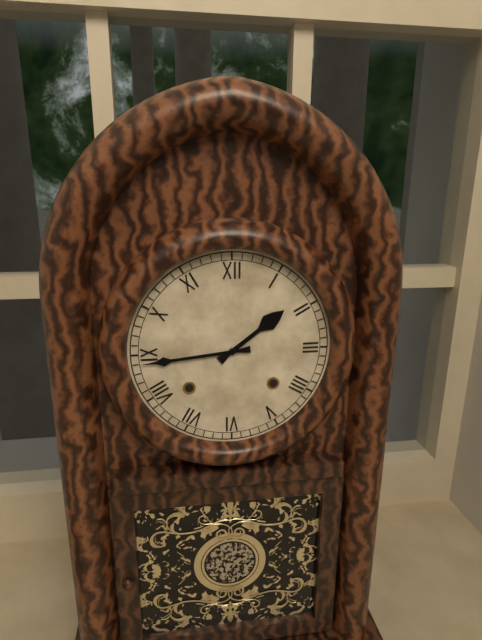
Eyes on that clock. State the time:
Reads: 1:44
